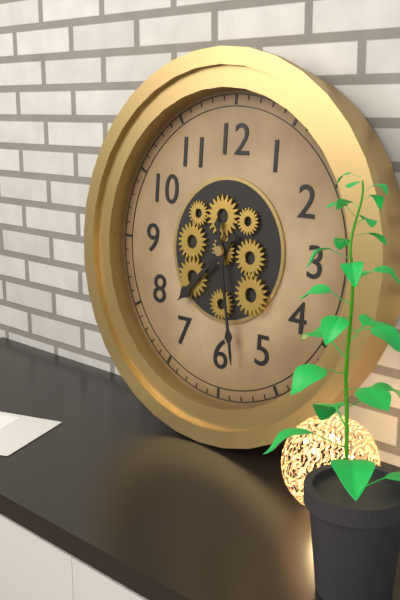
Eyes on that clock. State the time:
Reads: 7:28
